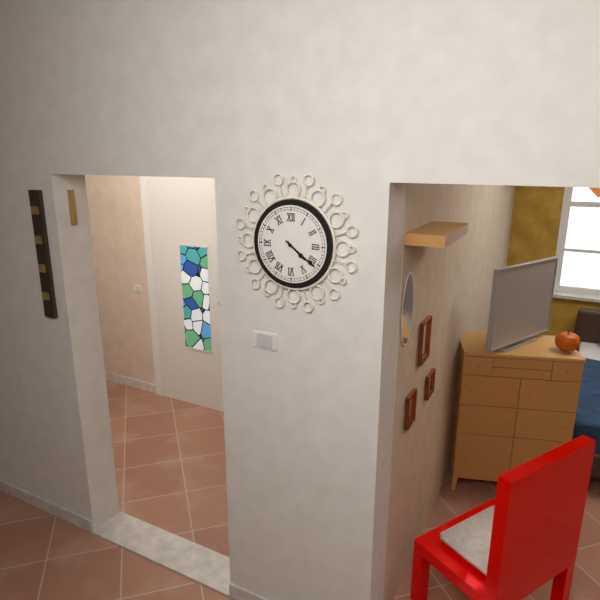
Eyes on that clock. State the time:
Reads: 4:21
